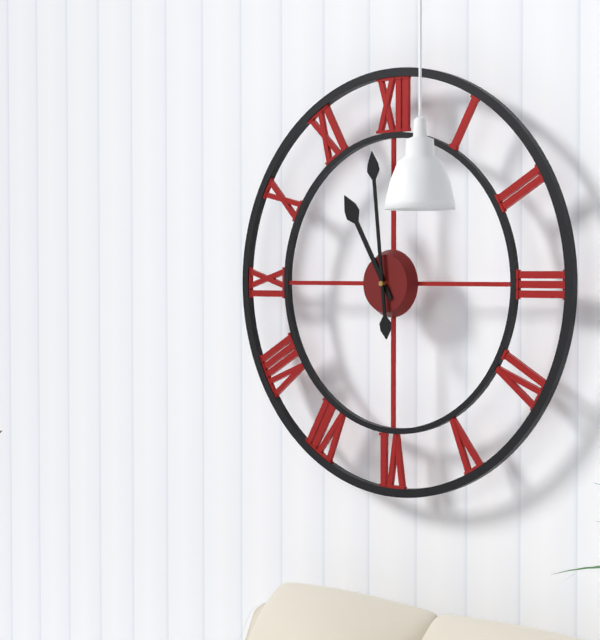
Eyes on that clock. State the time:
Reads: 10:59
